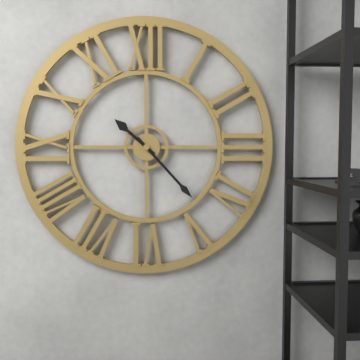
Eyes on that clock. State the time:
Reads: 10:23
